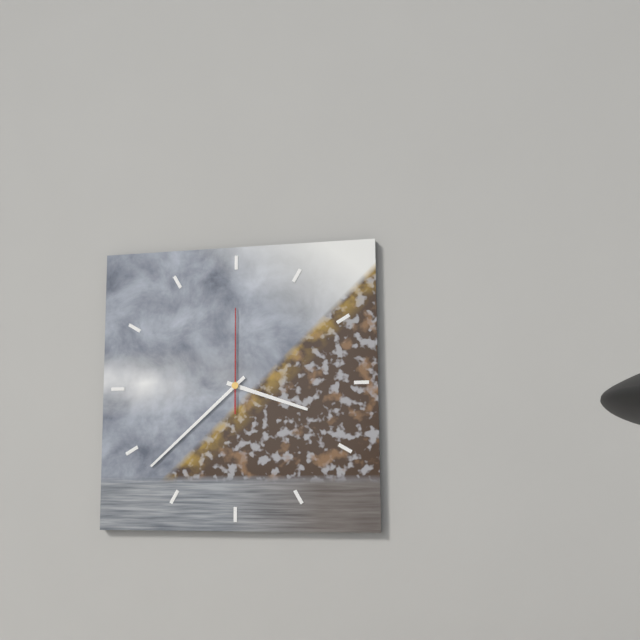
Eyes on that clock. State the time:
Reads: 3:38:00
